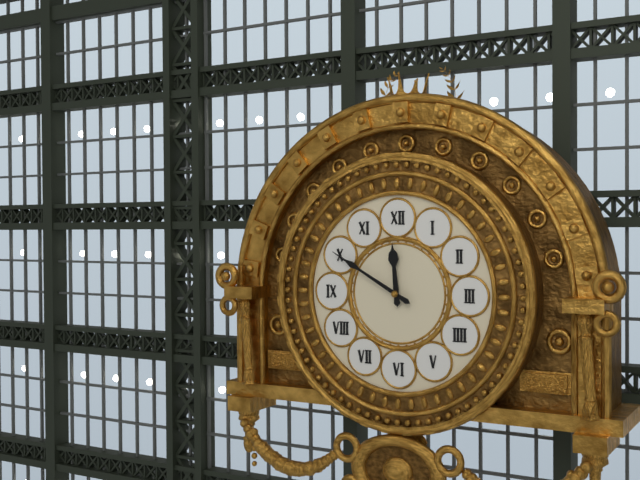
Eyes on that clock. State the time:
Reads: 11:50
